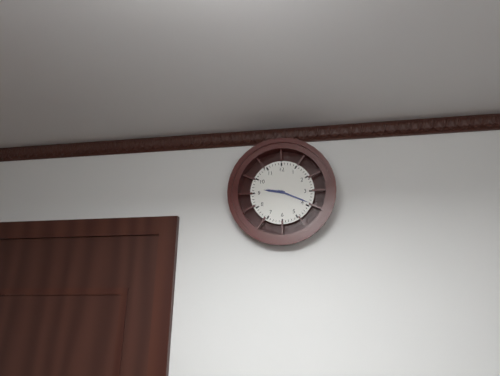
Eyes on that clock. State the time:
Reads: 9:19
